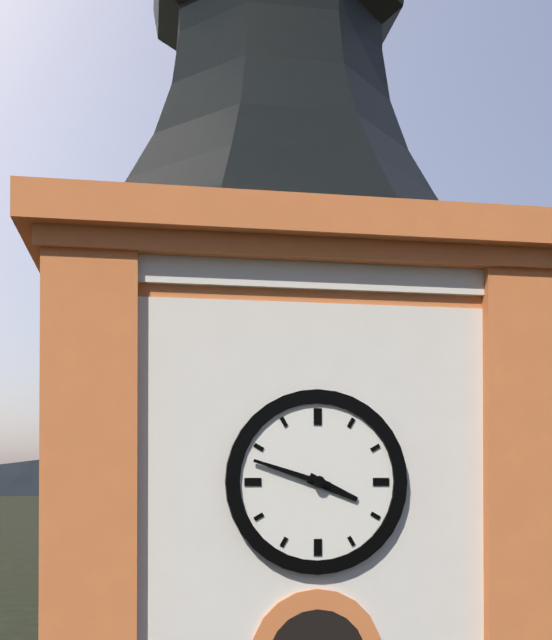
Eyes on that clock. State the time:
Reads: 3:48
